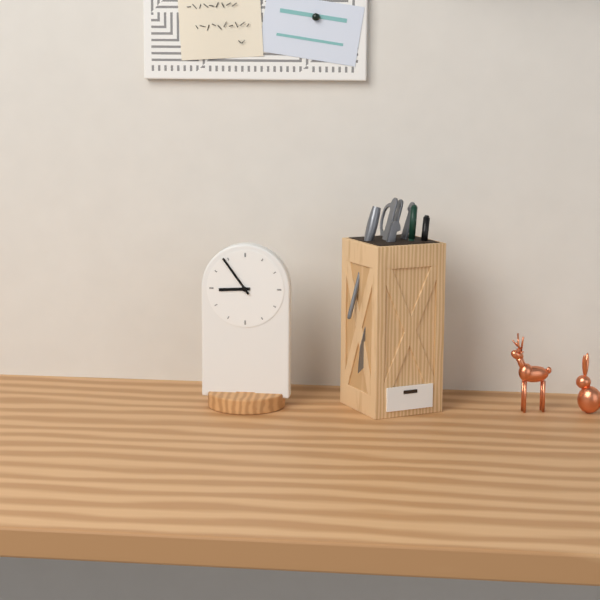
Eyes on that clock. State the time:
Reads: 8:54
